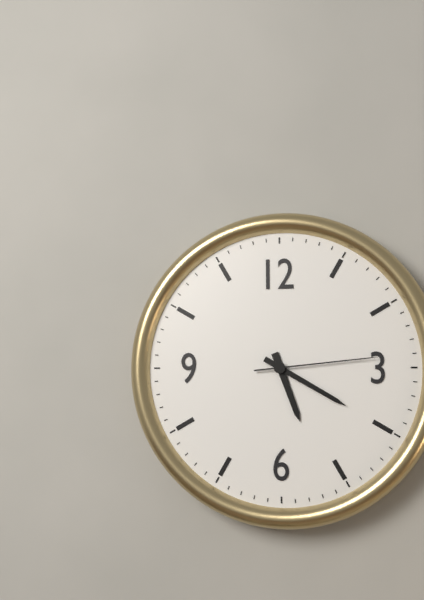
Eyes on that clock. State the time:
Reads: 5:20:14
